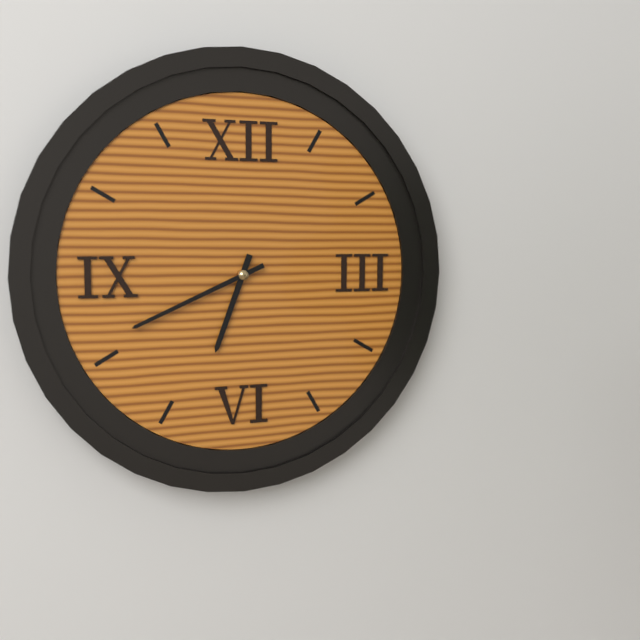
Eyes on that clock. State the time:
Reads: 6:41
